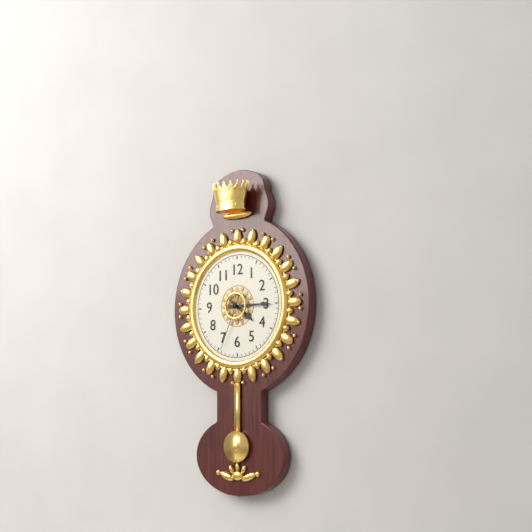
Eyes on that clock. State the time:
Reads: 4:15:34
